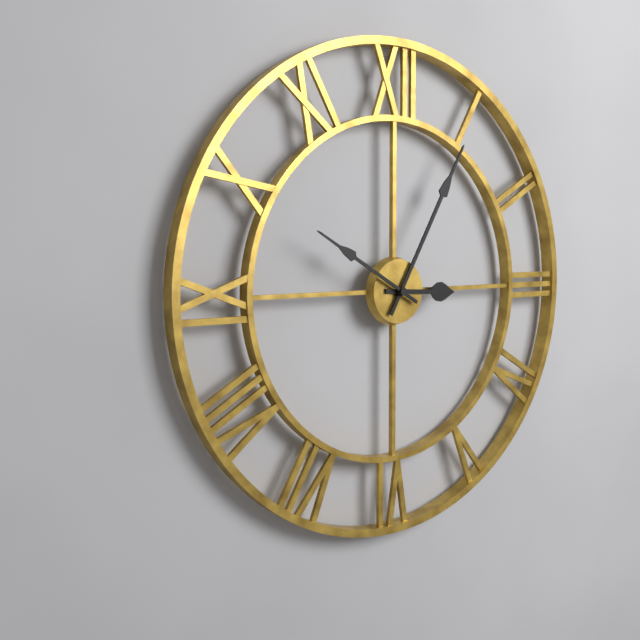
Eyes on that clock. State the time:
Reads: 3:05:50
